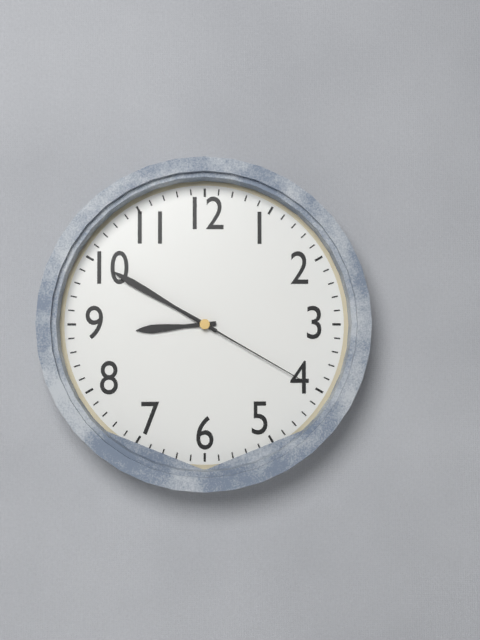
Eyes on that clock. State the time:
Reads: 8:50:20
